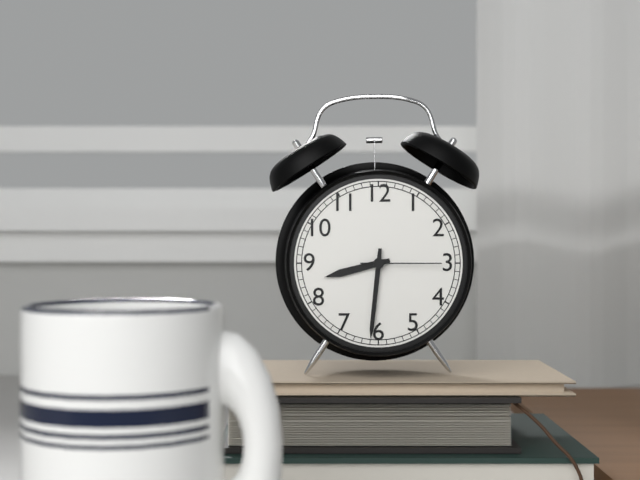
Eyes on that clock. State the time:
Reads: 8:31:15
